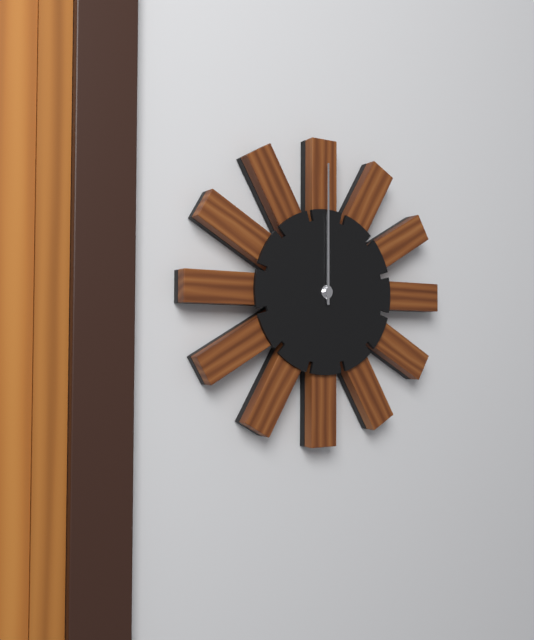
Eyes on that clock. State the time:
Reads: 12:00
